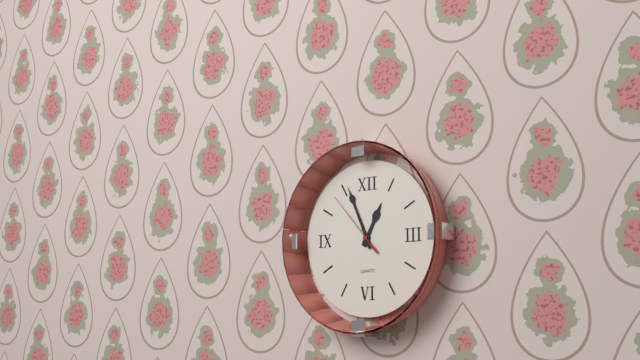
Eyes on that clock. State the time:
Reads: 12:56:53
